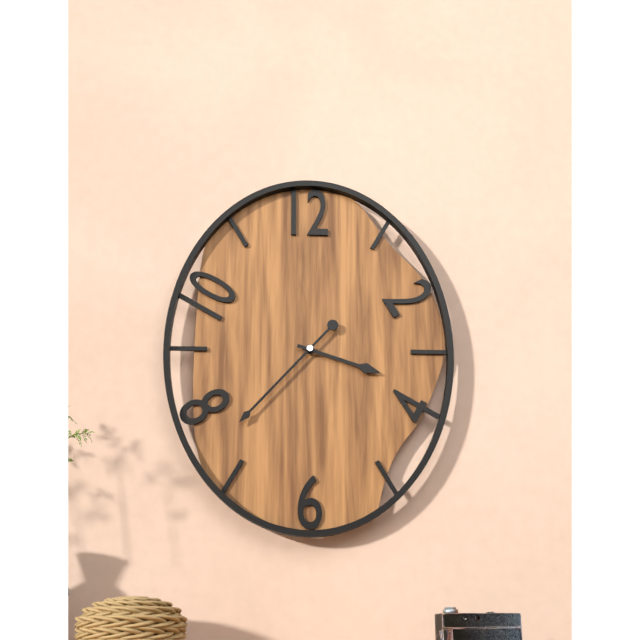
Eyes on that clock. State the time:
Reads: 3:37
